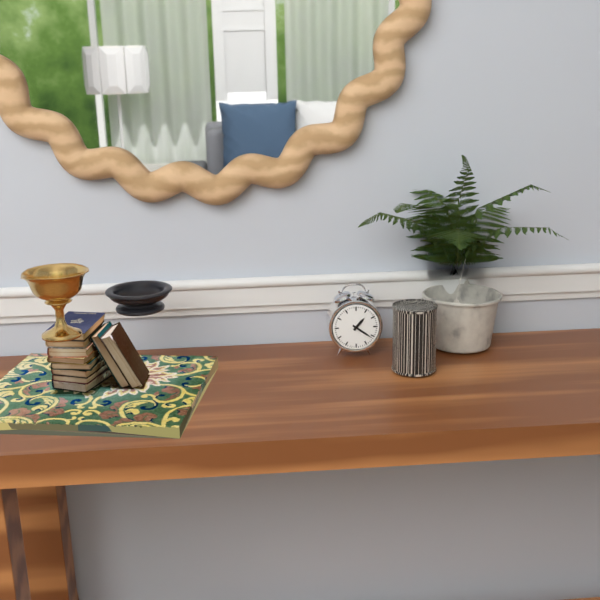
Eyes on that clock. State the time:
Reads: 1:21
